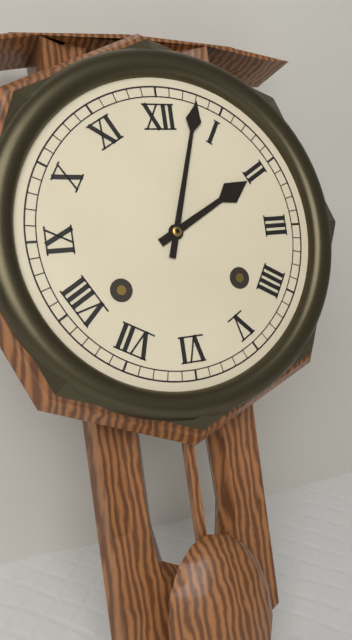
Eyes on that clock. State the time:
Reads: 2:03
